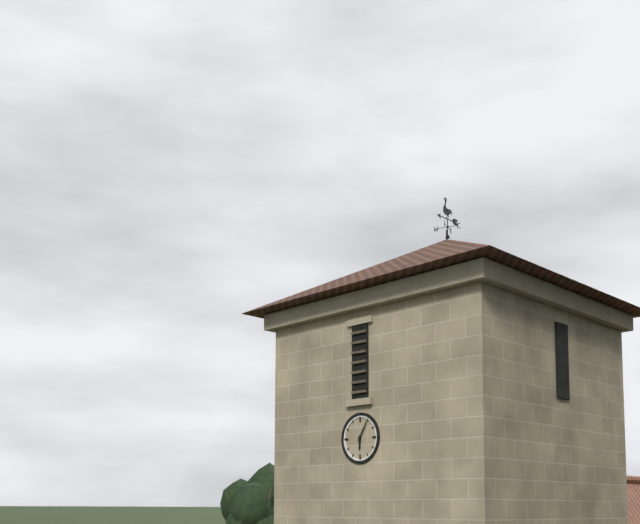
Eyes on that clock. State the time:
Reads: 6:05
